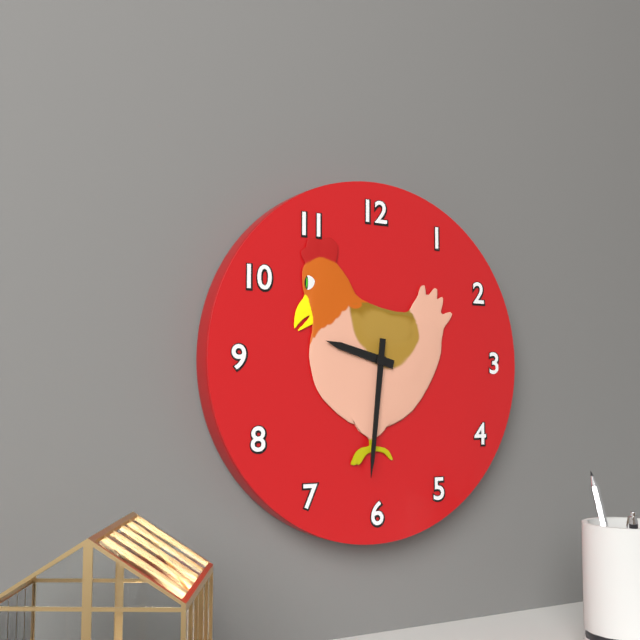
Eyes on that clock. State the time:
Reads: 9:31
